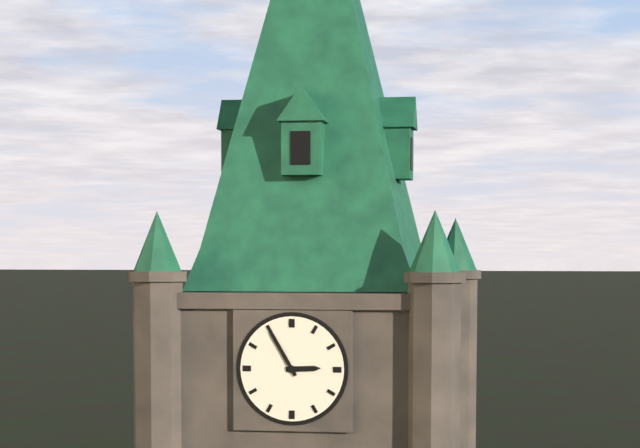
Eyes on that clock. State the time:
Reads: 2:55
